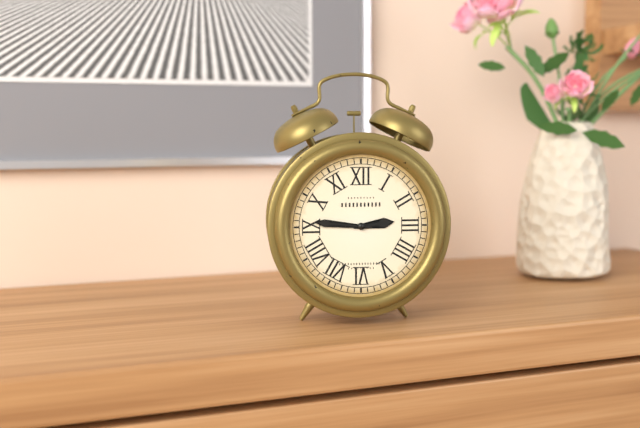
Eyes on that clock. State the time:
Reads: 2:46
